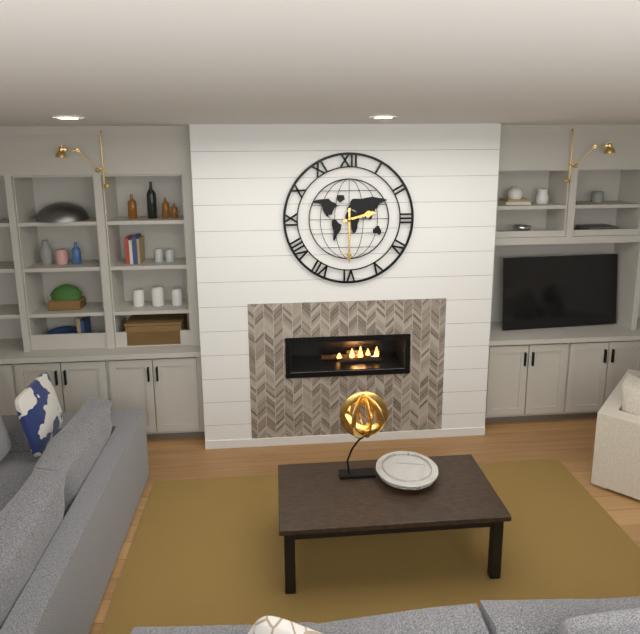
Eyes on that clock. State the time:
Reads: 2:30
